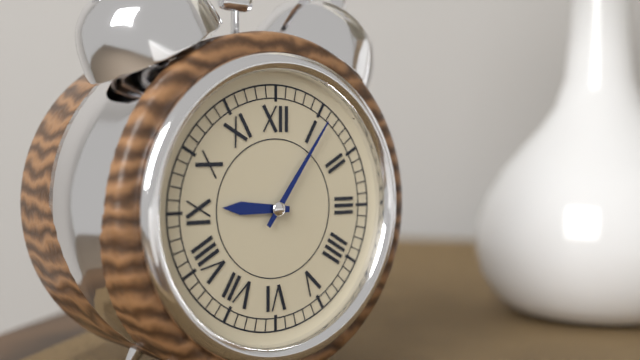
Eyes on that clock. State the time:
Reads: 9:06
